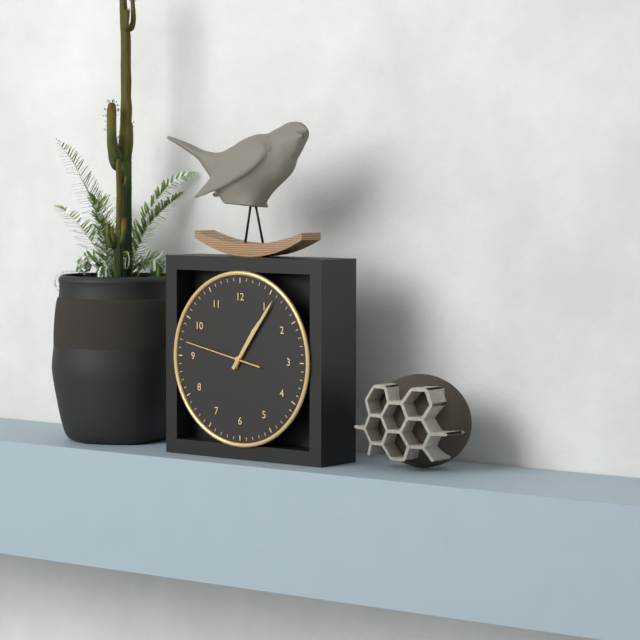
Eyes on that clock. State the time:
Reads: 1:06:47
